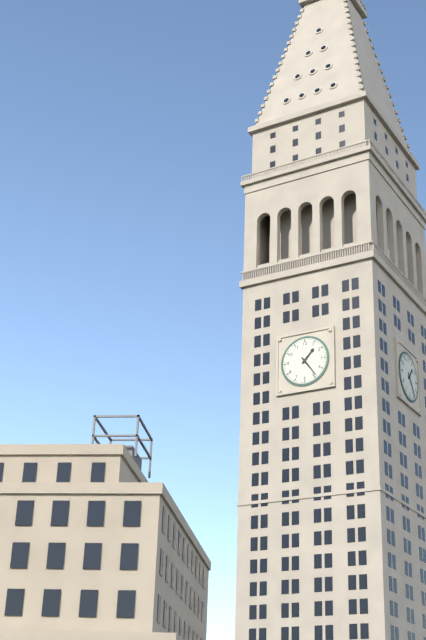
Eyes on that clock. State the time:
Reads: 1:24
